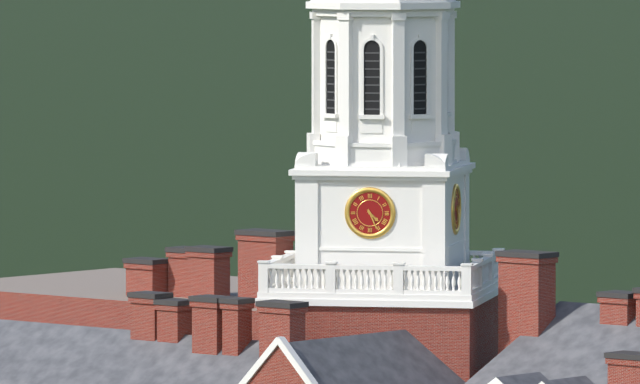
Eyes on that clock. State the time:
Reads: 4:26
